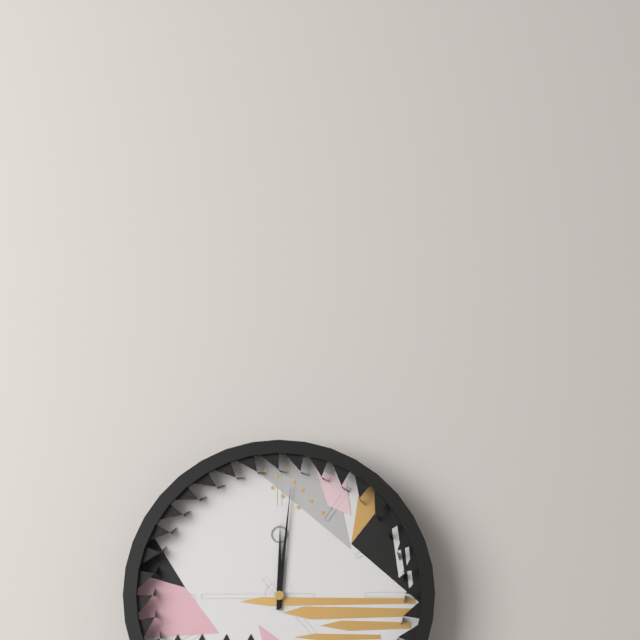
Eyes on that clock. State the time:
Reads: 12:01
